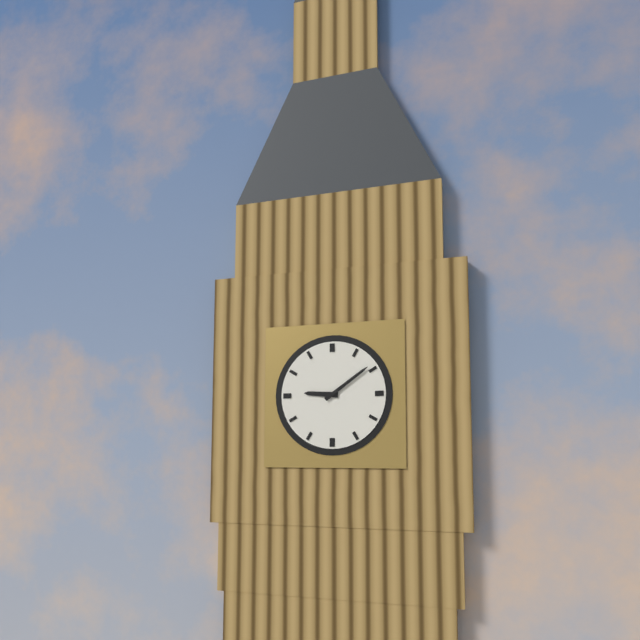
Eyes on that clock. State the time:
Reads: 9:09
